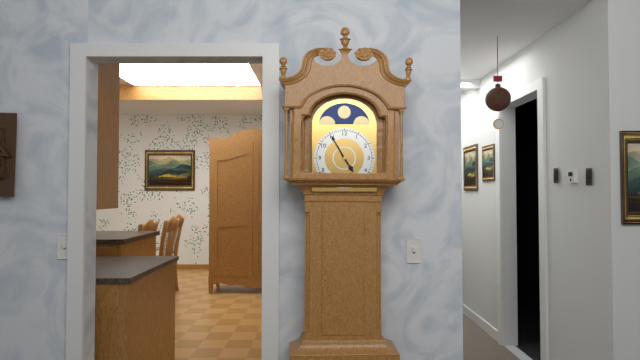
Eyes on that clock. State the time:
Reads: 4:55
